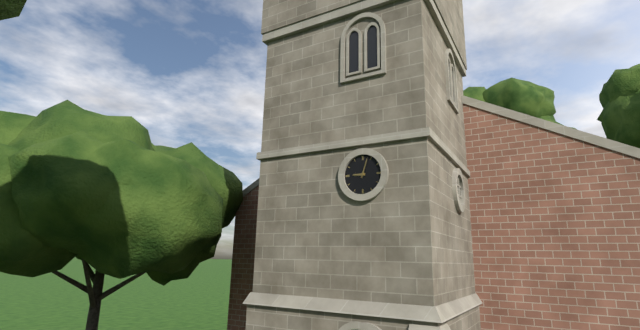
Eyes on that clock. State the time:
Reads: 9:03
